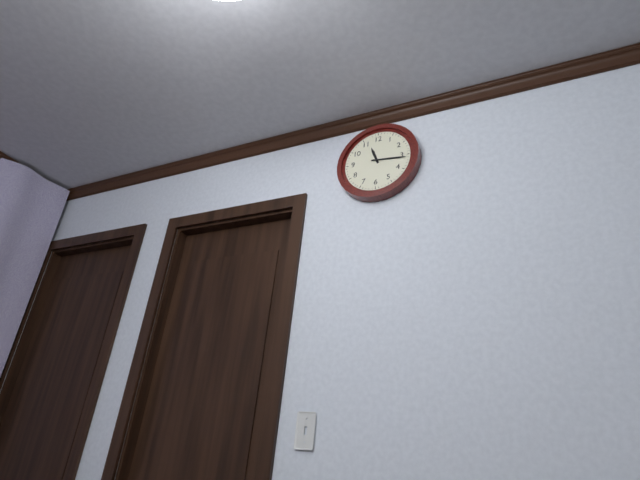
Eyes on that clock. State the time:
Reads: 11:16
